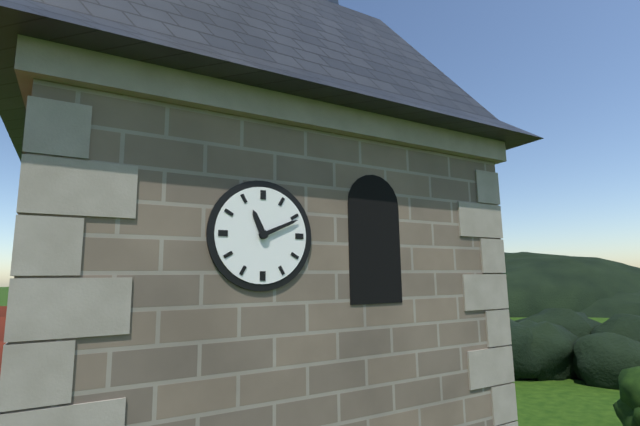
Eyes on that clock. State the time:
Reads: 11:11
